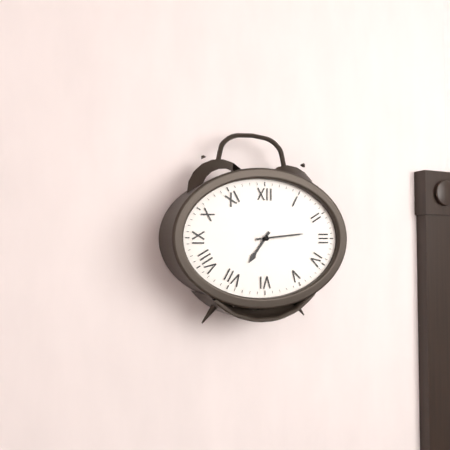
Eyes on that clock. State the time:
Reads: 7:14
